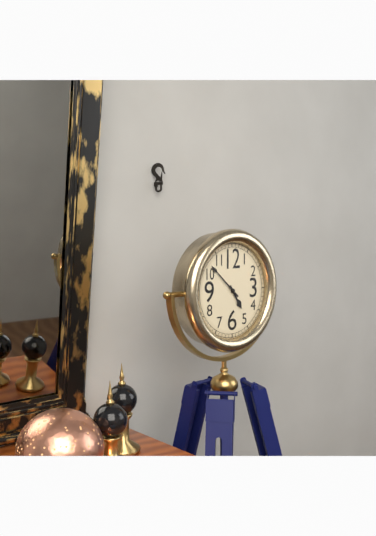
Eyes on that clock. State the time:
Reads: 4:52
